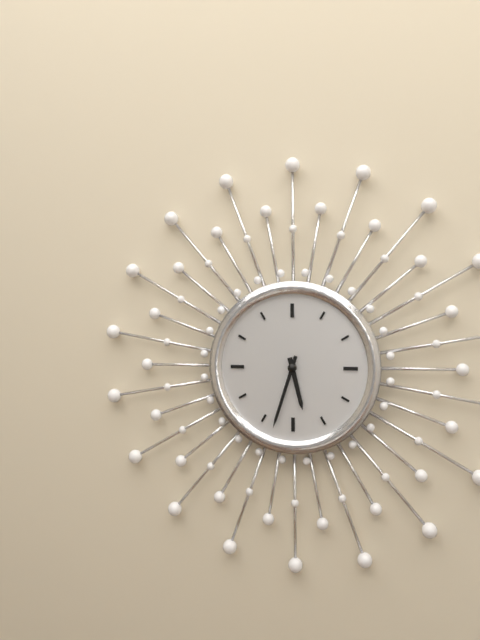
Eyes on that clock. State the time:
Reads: 5:33
